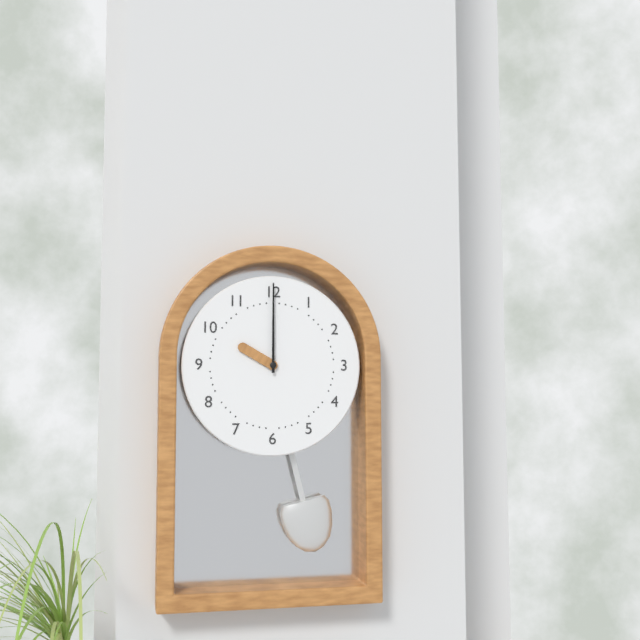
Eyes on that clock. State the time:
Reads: 10:00
